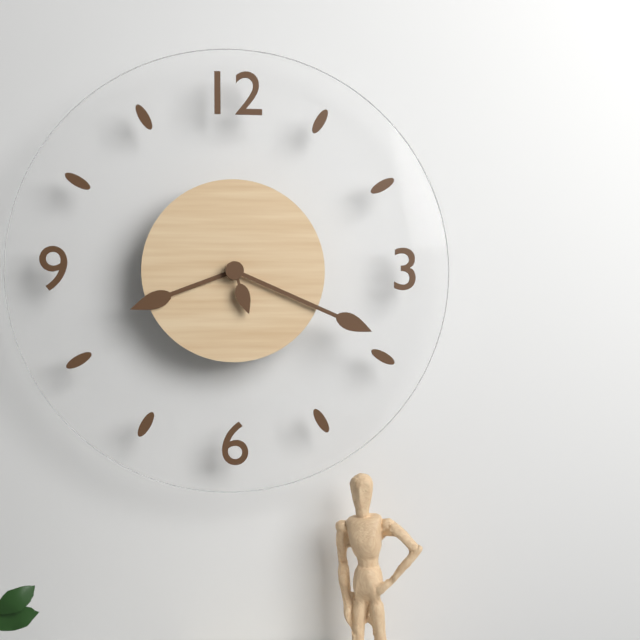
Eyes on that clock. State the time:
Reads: 8:19:27
